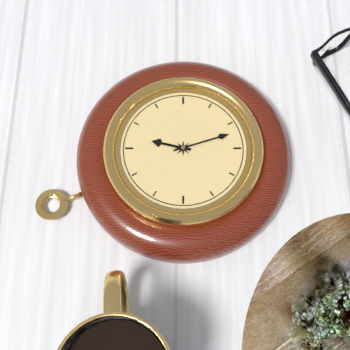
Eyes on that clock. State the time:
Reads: 12:27
